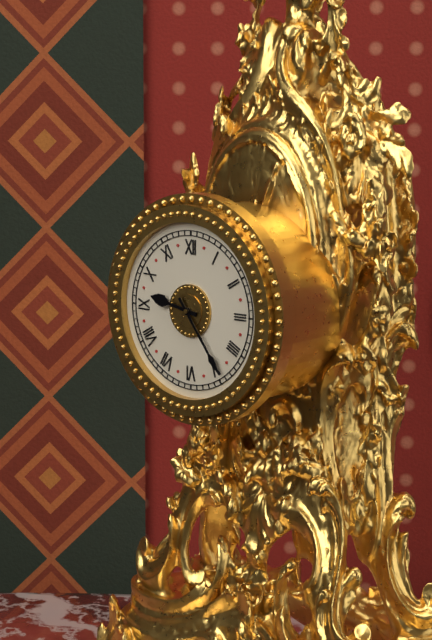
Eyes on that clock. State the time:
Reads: 9:24
